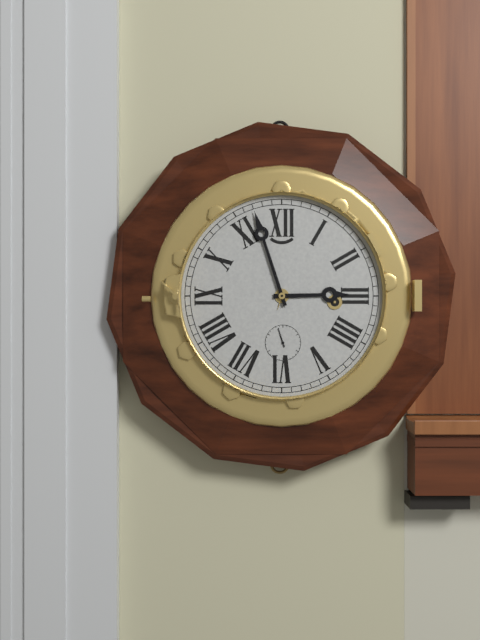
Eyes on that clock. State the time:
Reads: 2:57
